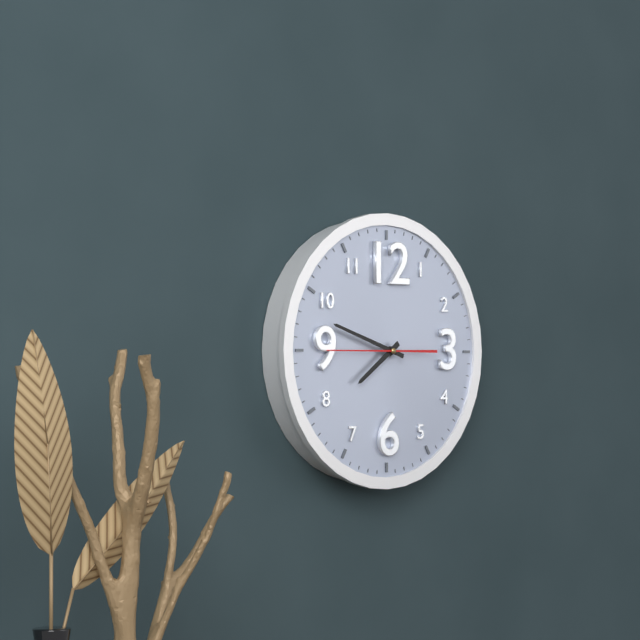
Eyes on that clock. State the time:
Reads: 7:48:45
